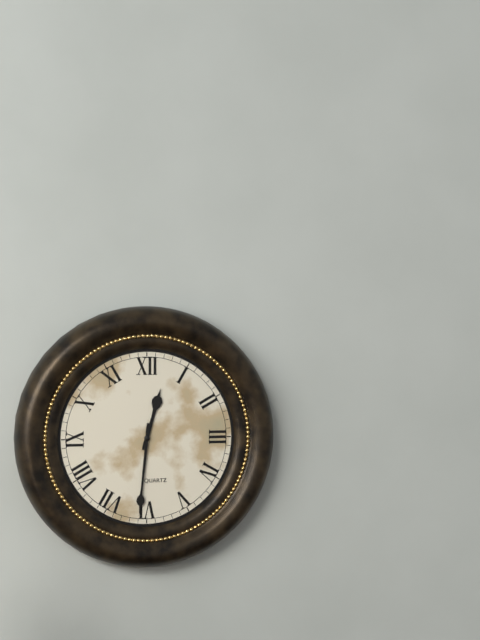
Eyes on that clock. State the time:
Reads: 12:31
